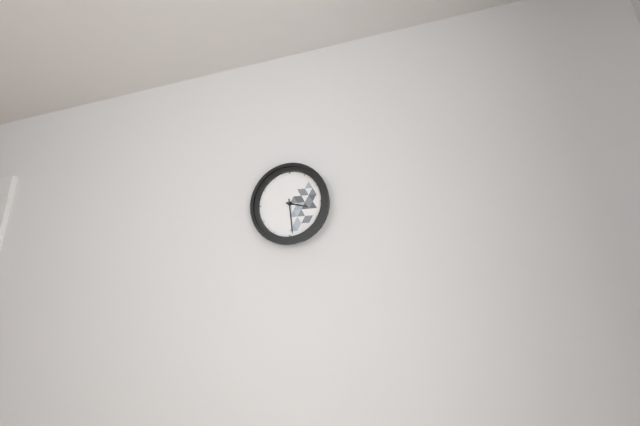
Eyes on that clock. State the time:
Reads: 3:29
